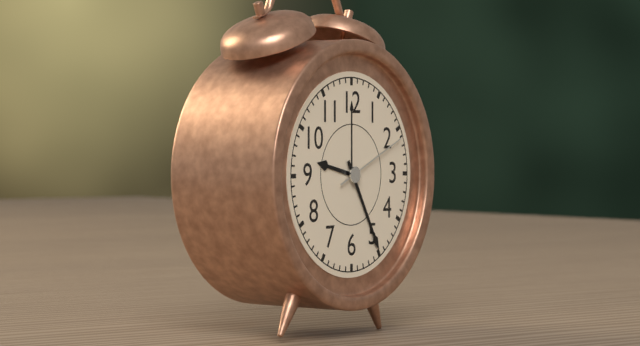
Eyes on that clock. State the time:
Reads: 9:25:11
